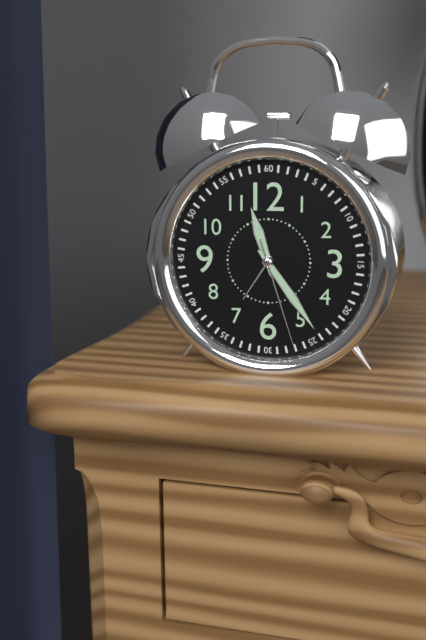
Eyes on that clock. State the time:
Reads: 11:24:27
